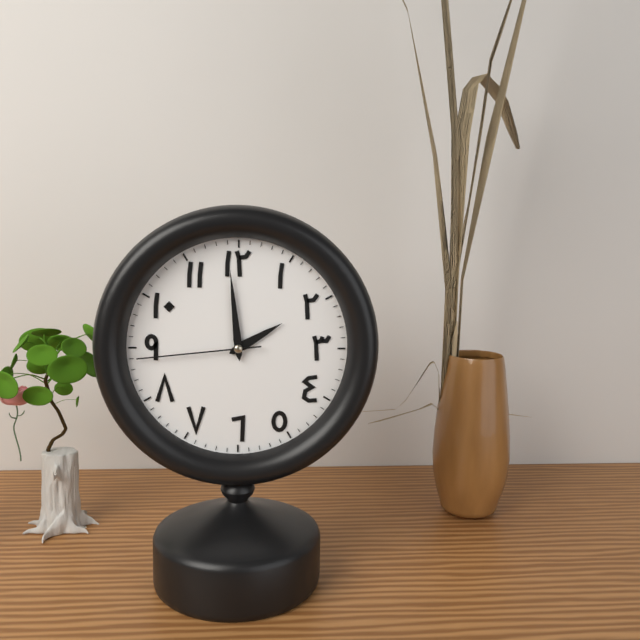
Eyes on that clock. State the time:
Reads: 1:59:44
